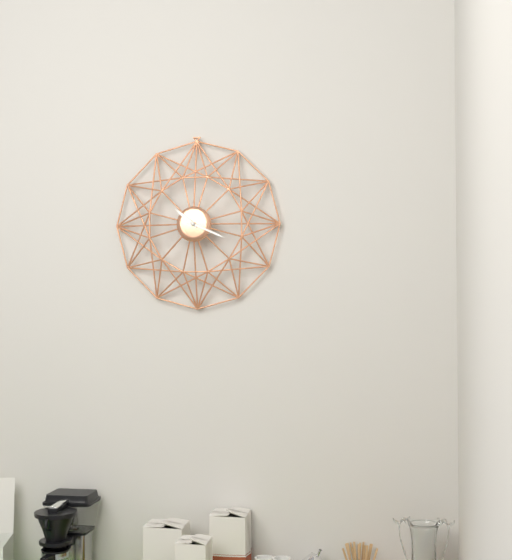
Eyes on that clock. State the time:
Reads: 10:19
